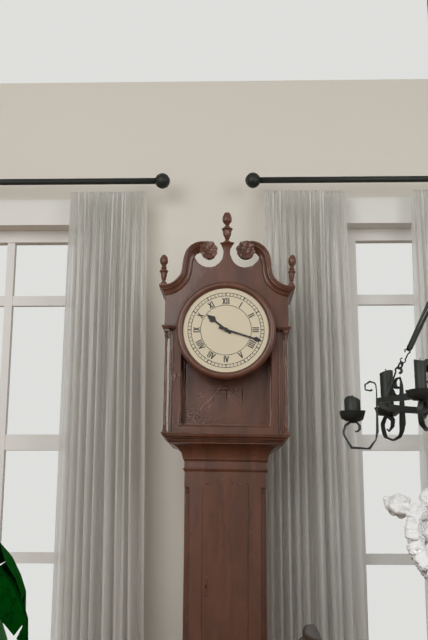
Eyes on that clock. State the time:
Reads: 10:18
